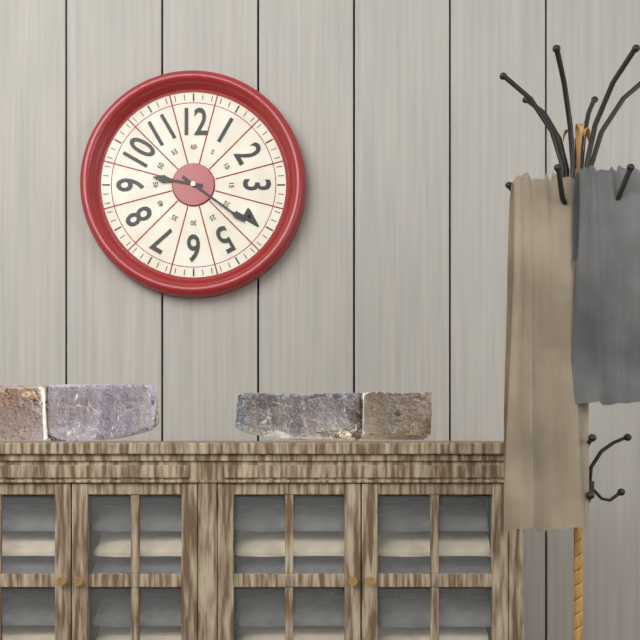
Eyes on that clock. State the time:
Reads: 9:21
